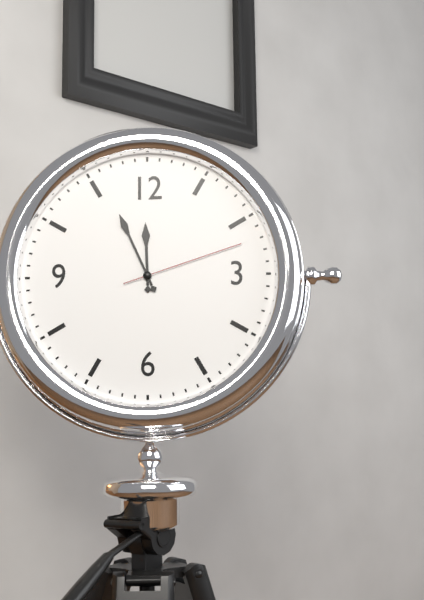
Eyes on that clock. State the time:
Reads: 11:56:12
